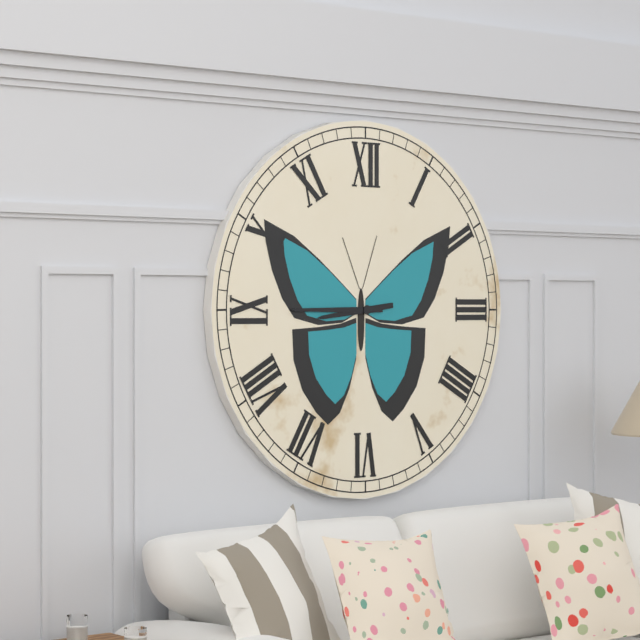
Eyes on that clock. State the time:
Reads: 8:45
